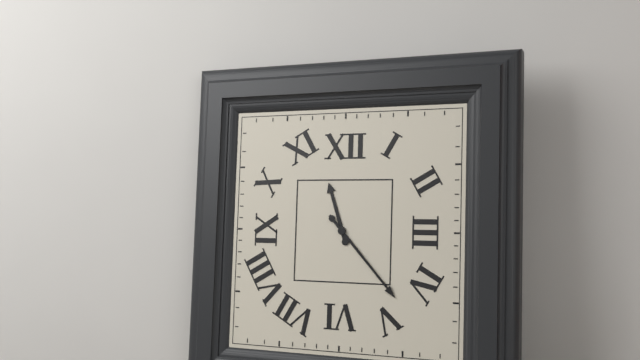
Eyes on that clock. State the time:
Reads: 11:23
